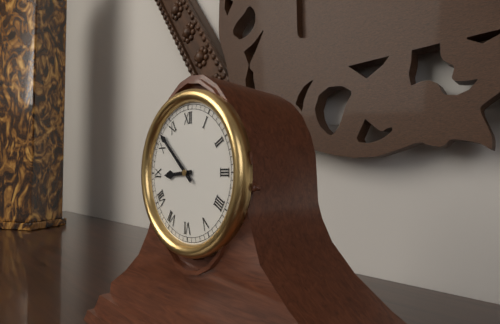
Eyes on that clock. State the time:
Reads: 8:52
